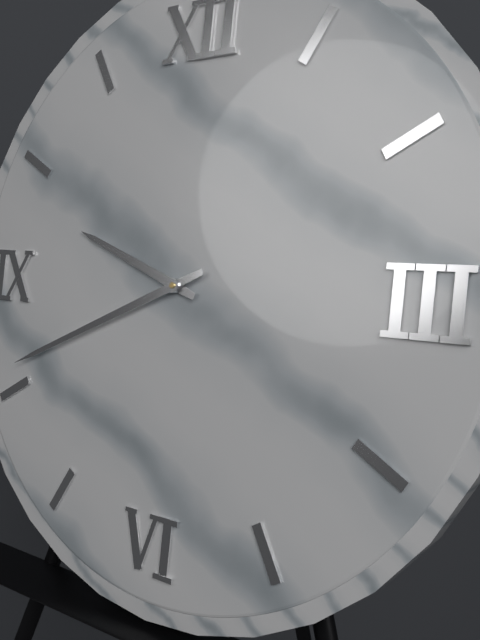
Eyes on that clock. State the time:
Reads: 9:41
